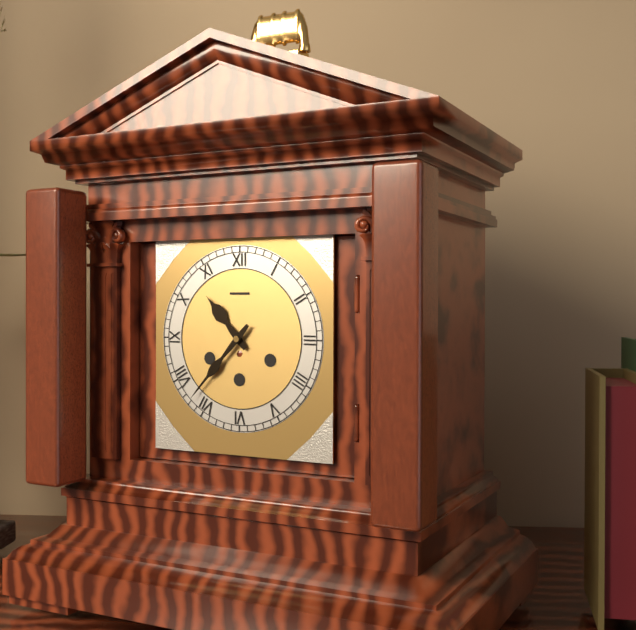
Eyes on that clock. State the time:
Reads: 10:37
